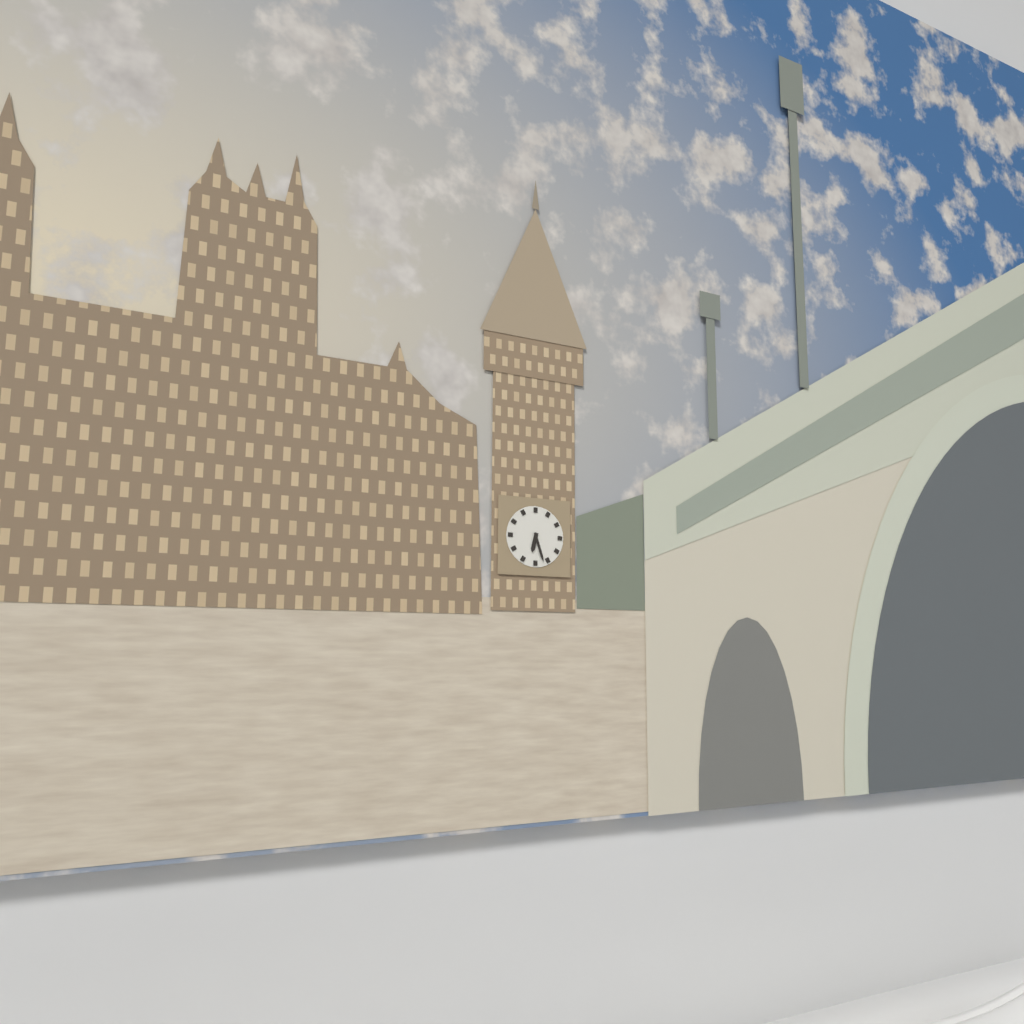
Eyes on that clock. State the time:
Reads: 6:27
